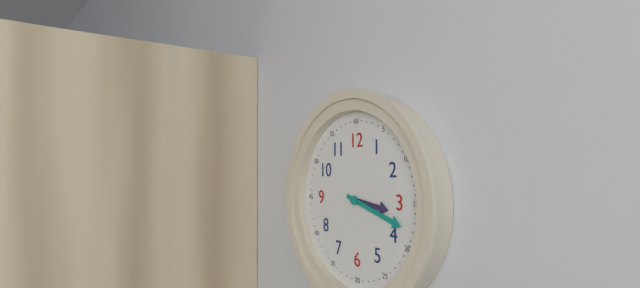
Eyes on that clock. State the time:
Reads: 3:18
